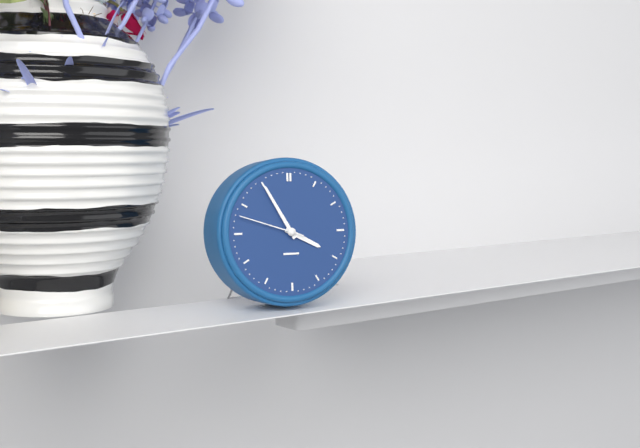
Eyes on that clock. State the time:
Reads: 3:55:48
